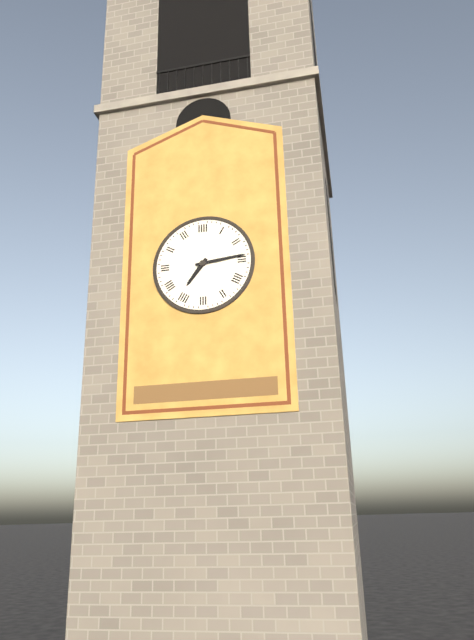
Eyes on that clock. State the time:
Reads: 7:14
